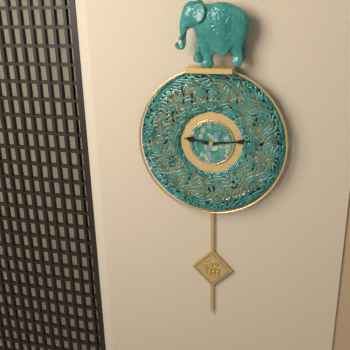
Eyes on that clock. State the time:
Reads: 9:14
